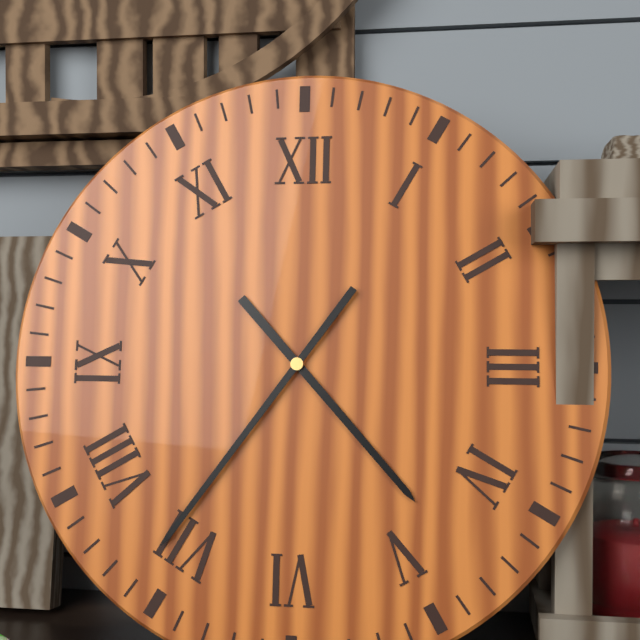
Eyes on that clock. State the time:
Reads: 4:36
